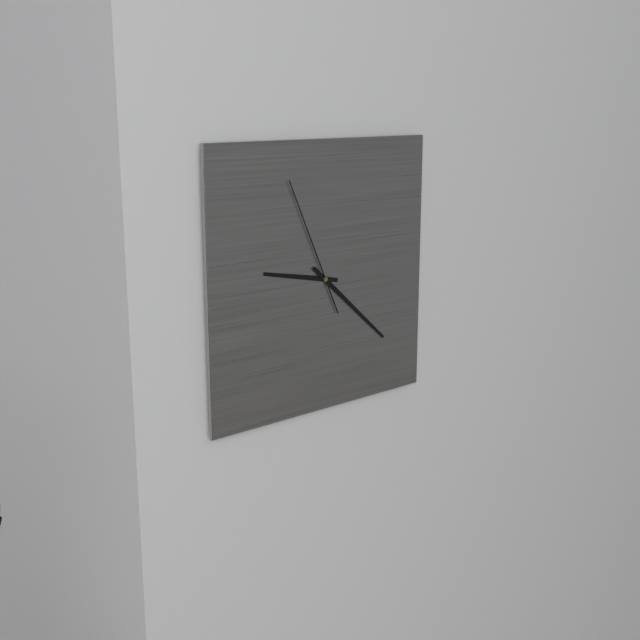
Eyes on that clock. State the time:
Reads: 9:22:56
